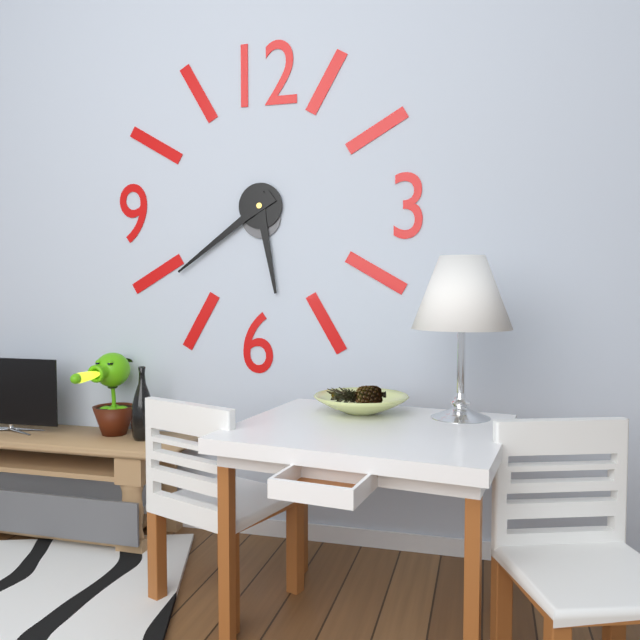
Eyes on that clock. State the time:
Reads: 5:39
